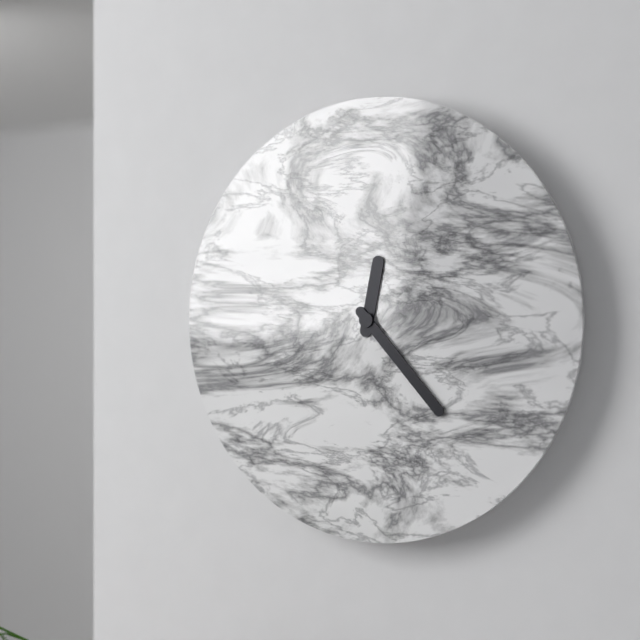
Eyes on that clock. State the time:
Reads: 12:23
